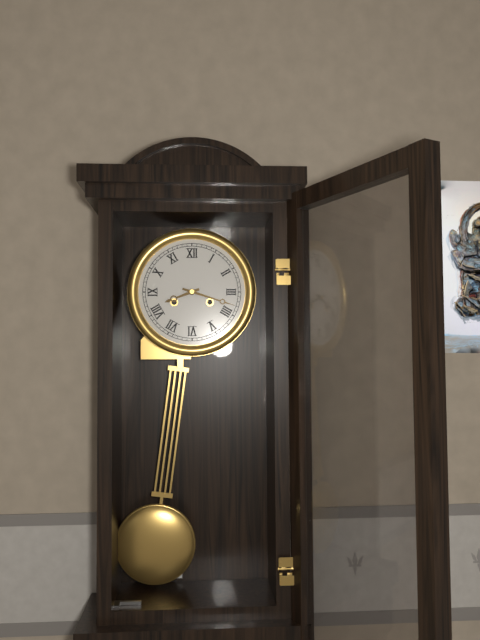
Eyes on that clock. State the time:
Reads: 8:18
